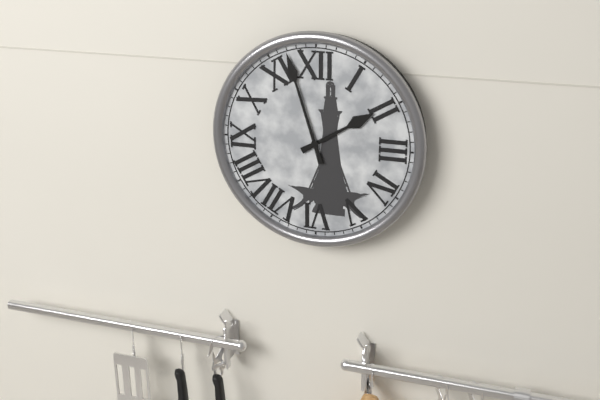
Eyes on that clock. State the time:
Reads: 1:57
